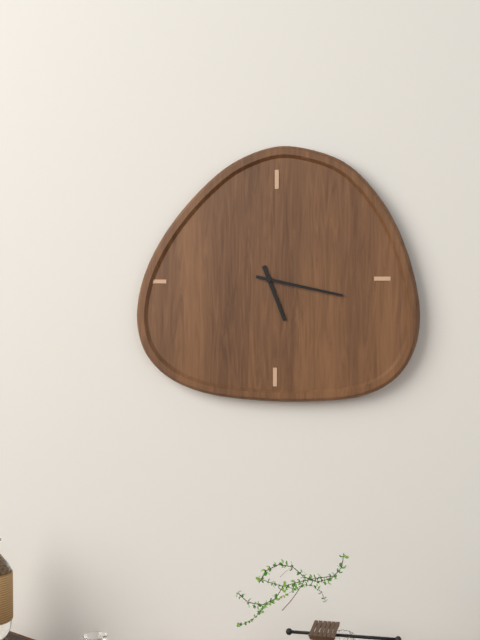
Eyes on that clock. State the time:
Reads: 5:17
